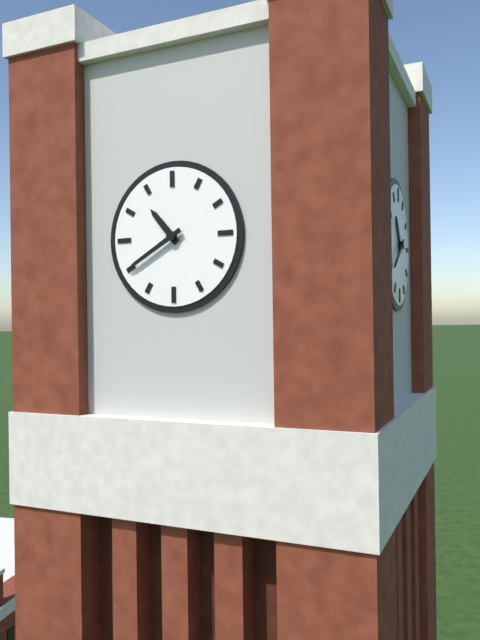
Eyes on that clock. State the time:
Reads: 10:40
